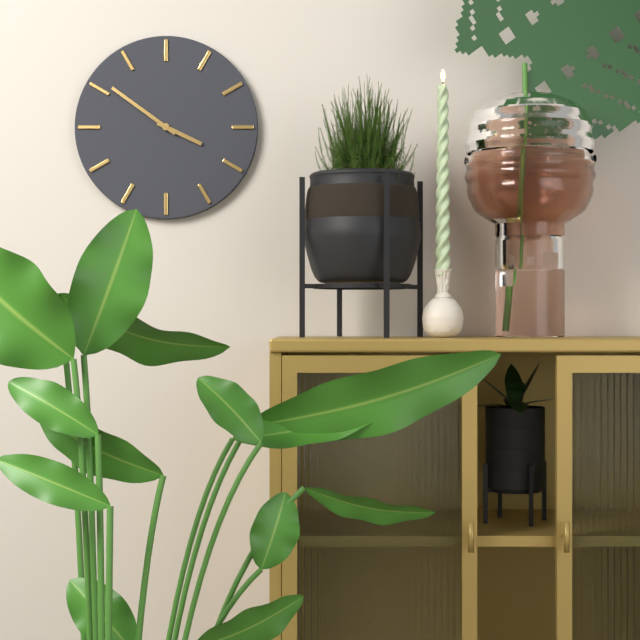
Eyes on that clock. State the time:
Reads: 3:51
